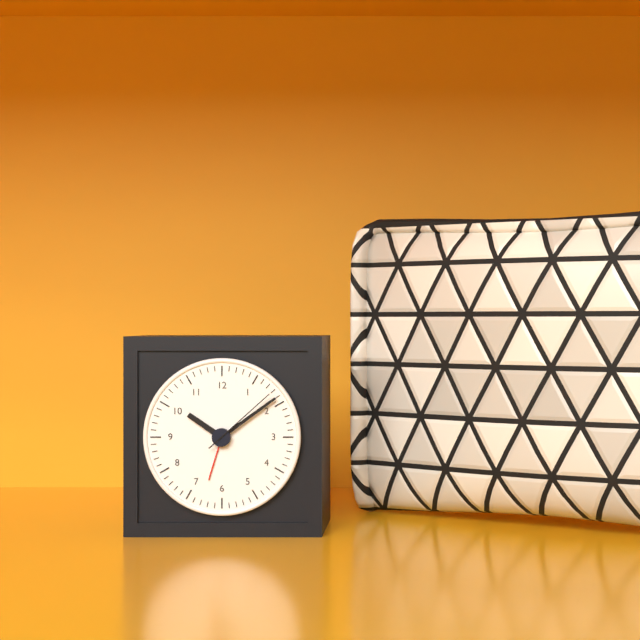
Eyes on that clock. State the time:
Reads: 10:09:08
